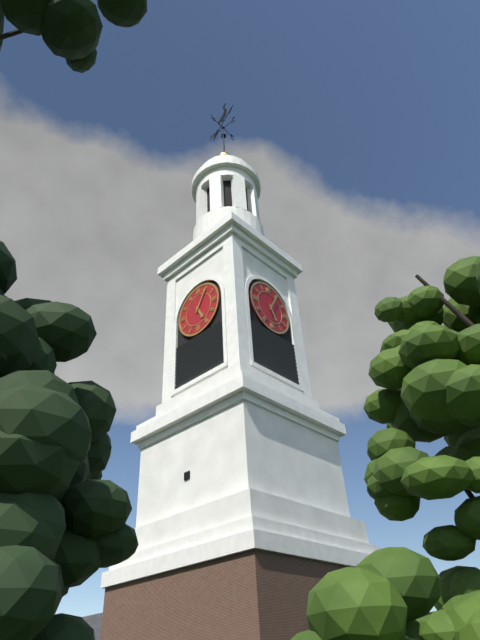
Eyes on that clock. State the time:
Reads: 5:05
